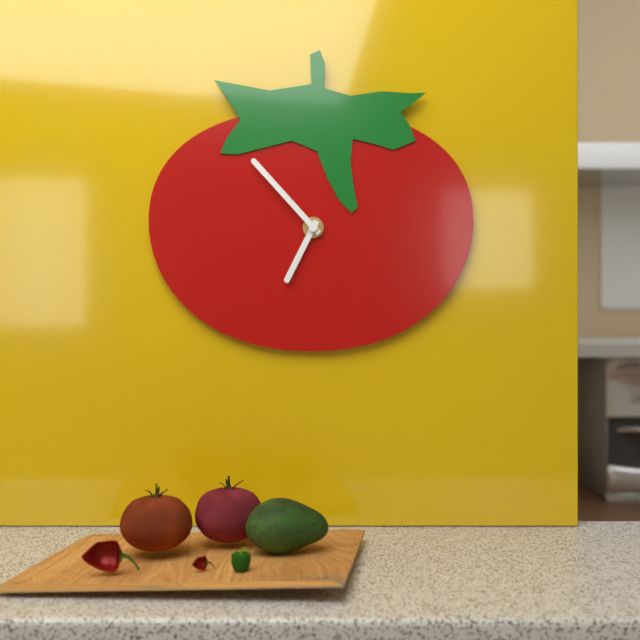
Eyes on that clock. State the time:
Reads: 6:53
